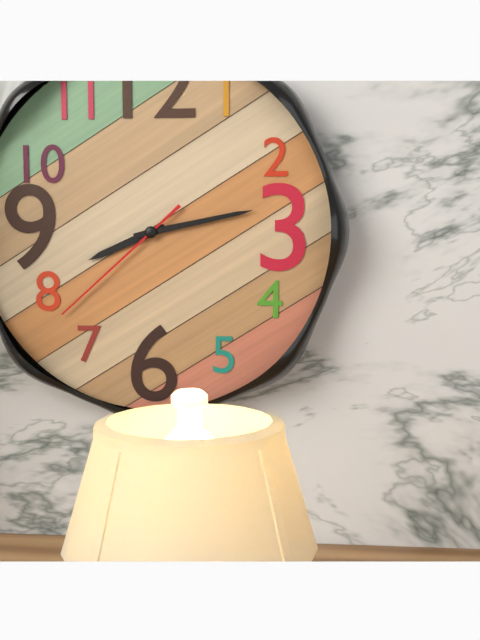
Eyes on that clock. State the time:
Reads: 8:13:38
